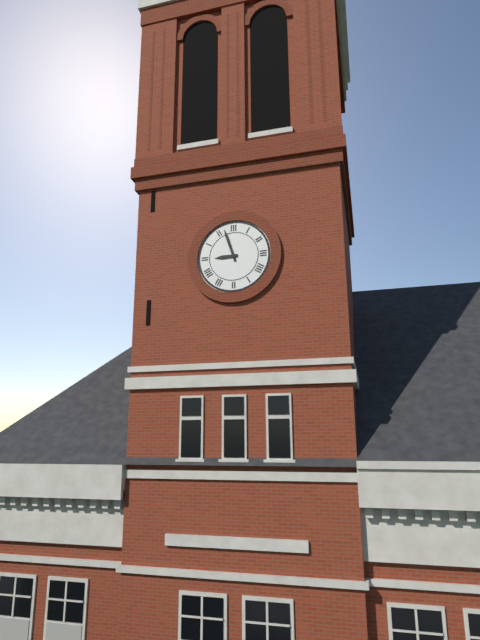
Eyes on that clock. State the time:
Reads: 8:57
